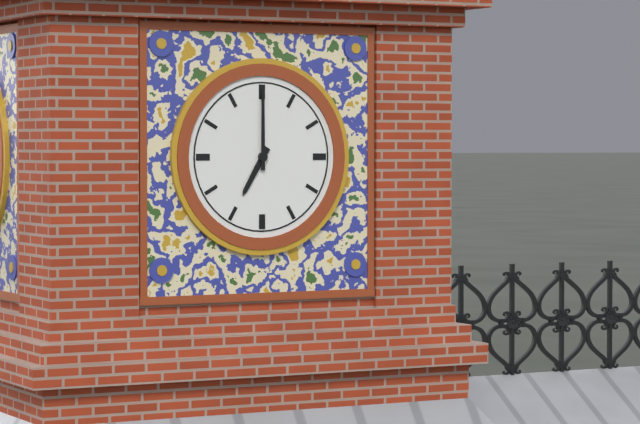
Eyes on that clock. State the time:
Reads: 7:00
